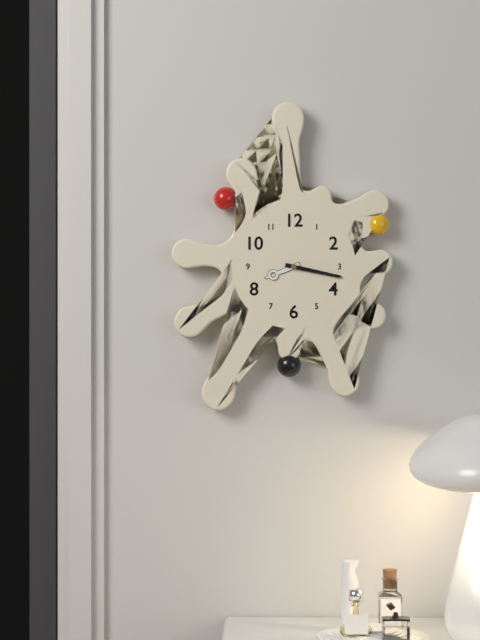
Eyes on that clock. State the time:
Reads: 8:17
